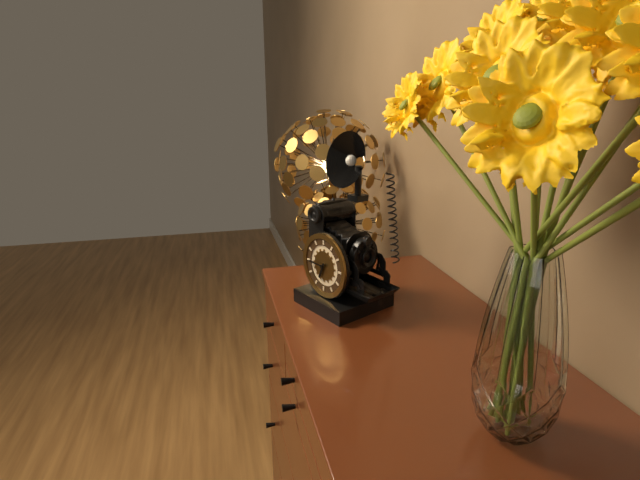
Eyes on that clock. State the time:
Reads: 6:45
